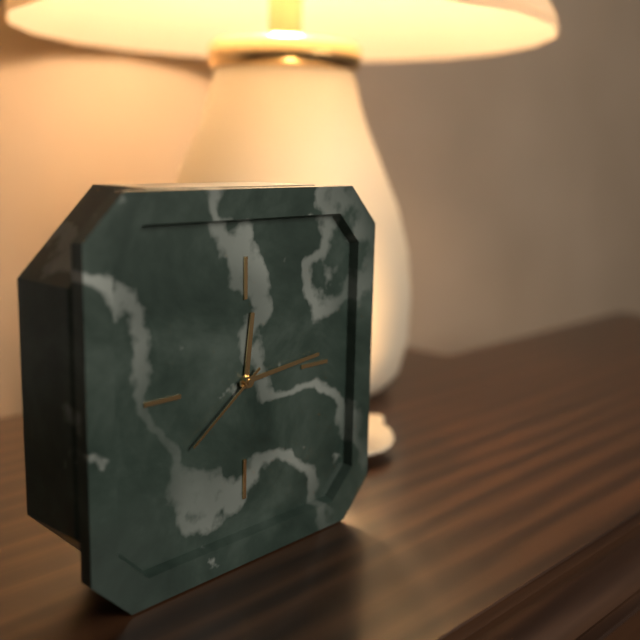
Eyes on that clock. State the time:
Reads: 12:14:39
